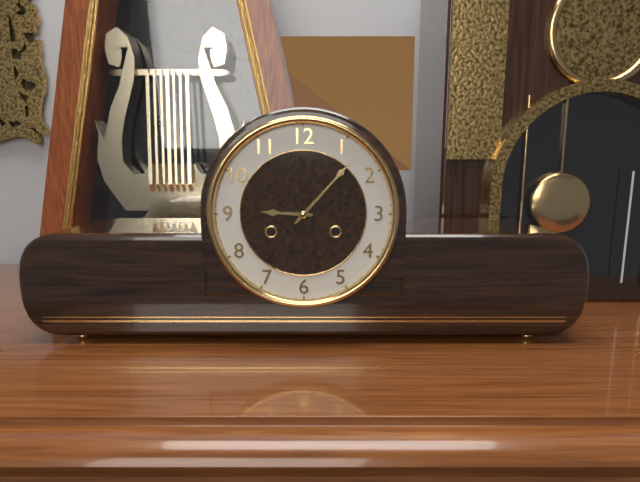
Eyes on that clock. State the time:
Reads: 9:07
